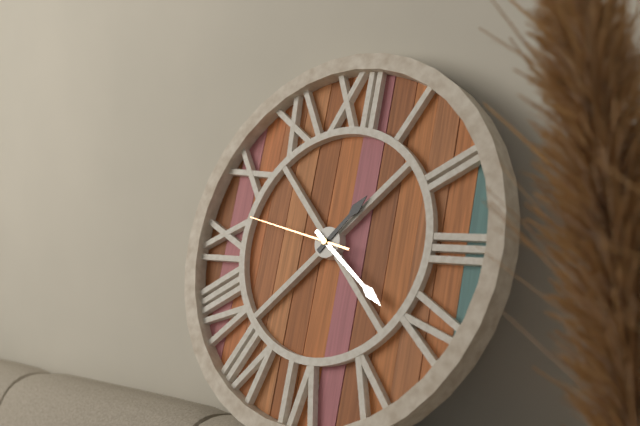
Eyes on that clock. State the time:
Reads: 1:21:47
